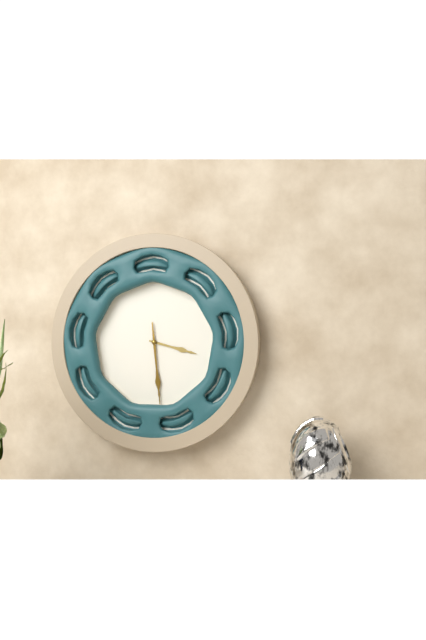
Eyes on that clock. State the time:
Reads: 3:29
